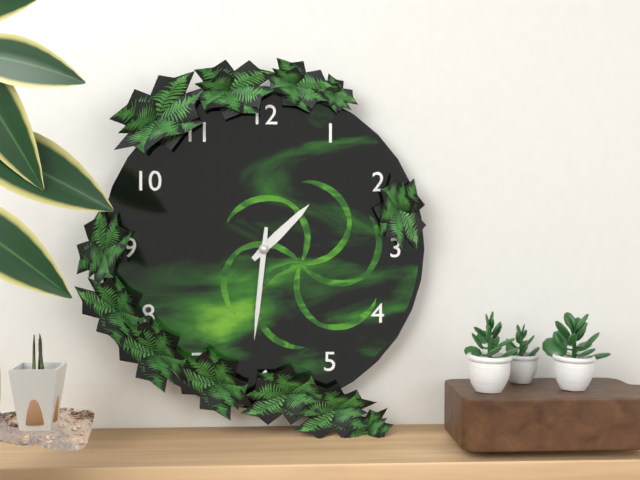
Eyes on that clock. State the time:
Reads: 1:31
